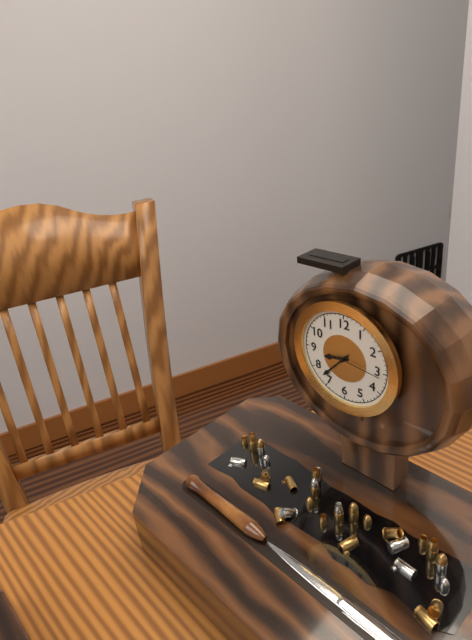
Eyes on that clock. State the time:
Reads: 8:37:16
